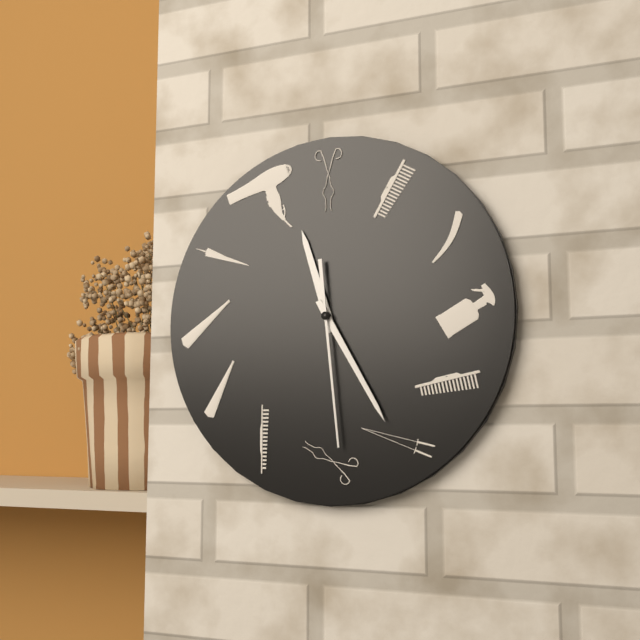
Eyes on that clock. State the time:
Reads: 11:25:29
